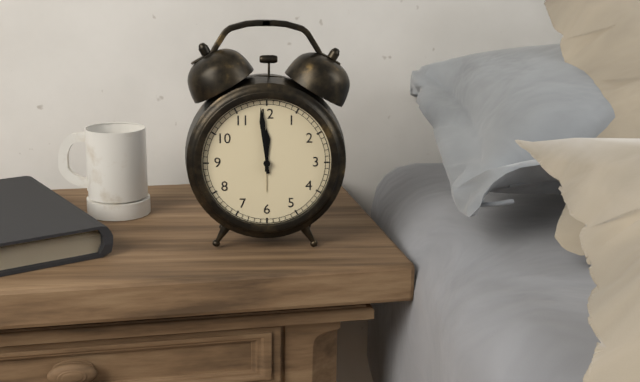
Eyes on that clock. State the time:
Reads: 11:59
